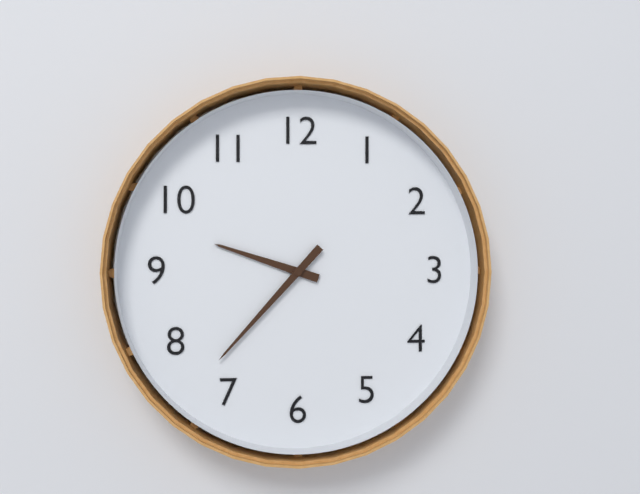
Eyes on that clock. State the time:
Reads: 9:37
